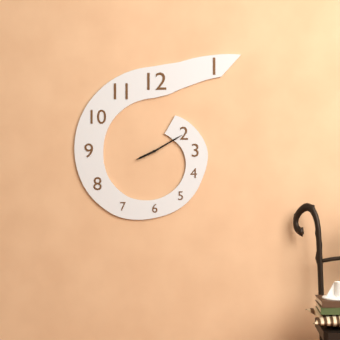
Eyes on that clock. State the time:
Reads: 8:10
